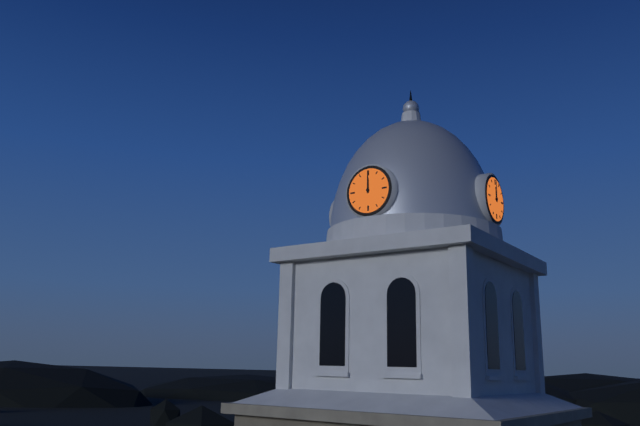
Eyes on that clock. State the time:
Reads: 12:00
